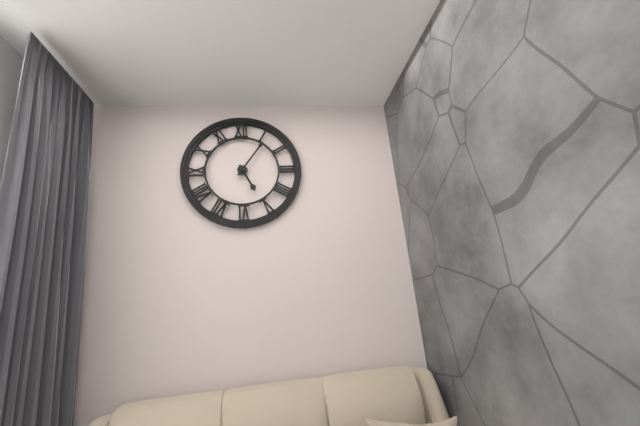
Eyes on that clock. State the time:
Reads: 5:06
